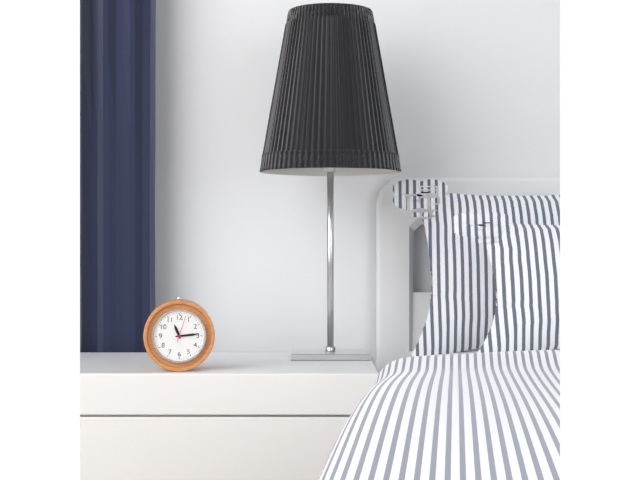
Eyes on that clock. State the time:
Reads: 11:14
